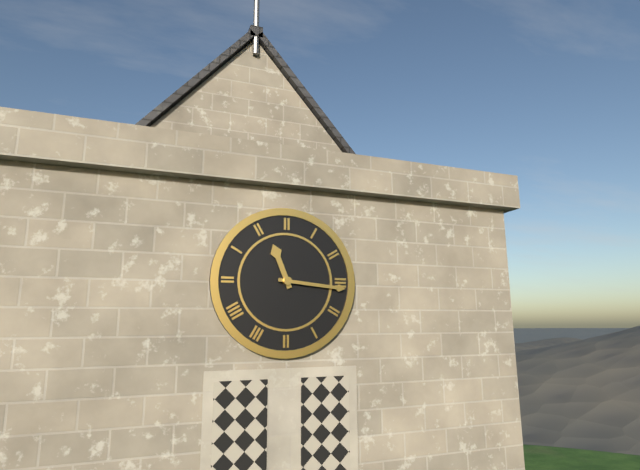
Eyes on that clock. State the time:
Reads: 11:16
